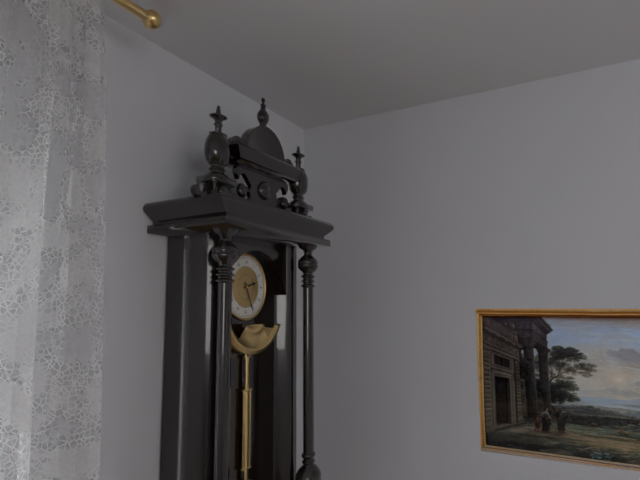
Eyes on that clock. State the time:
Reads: 2:26
